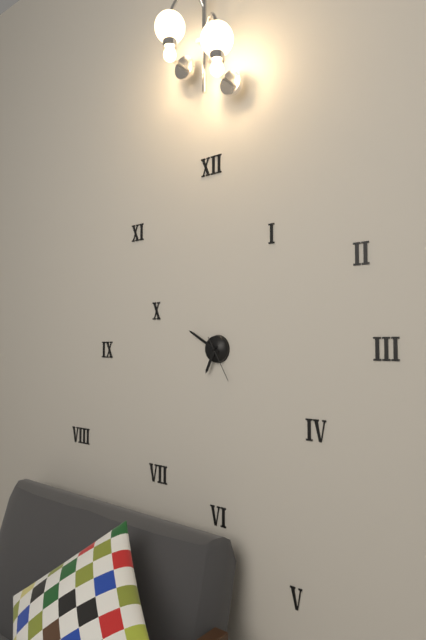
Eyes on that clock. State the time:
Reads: 6:50
